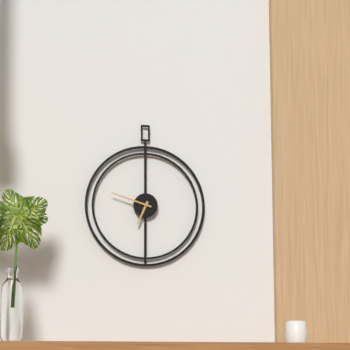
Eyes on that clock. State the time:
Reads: 6:48
